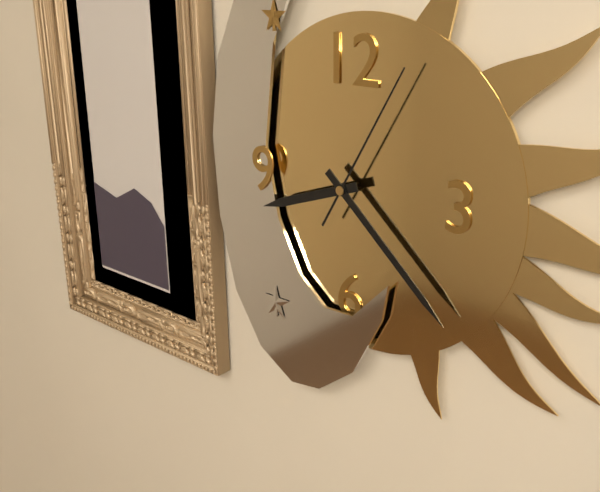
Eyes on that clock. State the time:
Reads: 8:22:05
